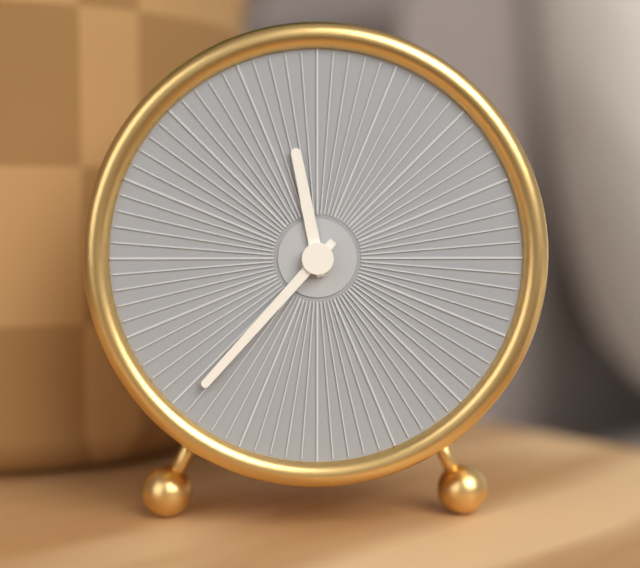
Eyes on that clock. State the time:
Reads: 11:37
